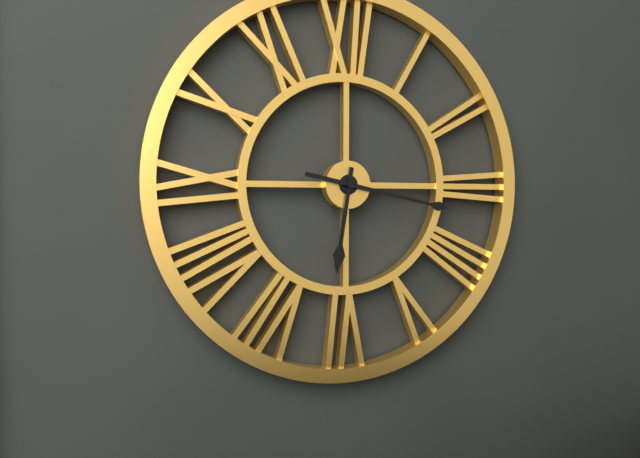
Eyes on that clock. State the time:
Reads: 6:17
